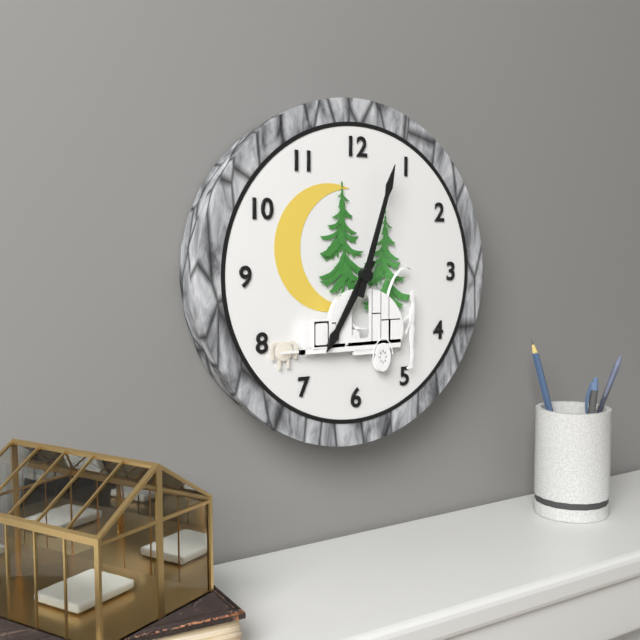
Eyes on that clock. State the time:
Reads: 7:03
